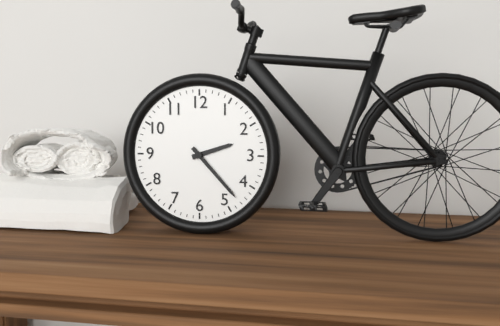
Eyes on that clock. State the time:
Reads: 2:23
